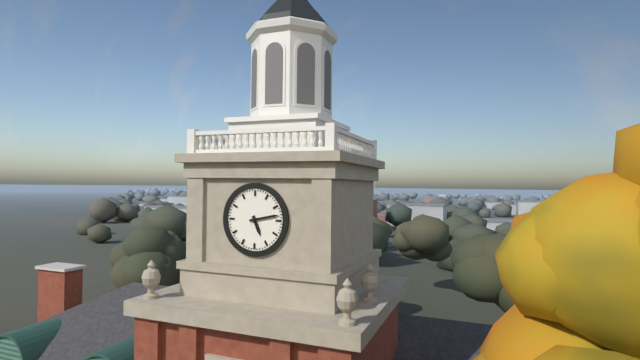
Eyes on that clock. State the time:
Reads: 5:13
